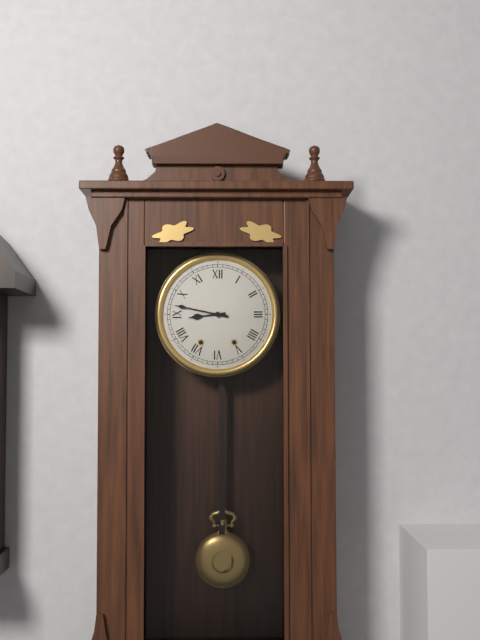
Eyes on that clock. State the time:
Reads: 8:47
